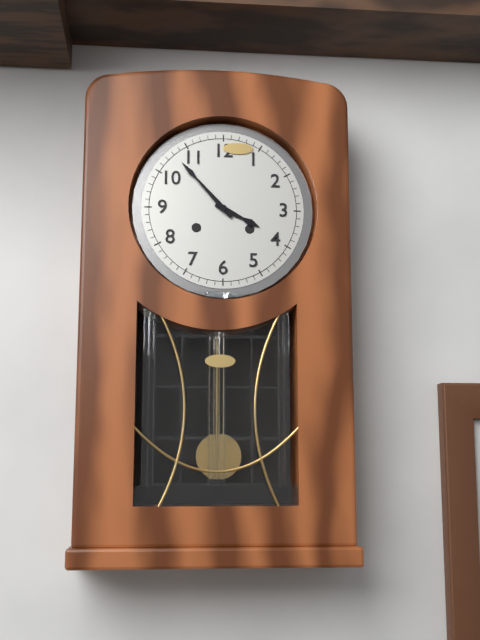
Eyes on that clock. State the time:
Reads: 3:53
